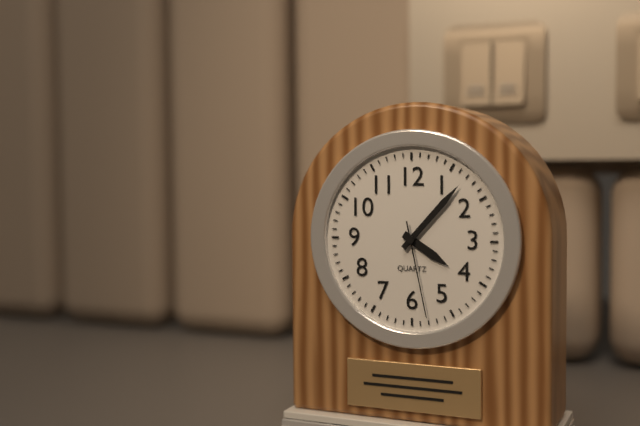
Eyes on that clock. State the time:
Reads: 4:07:28
